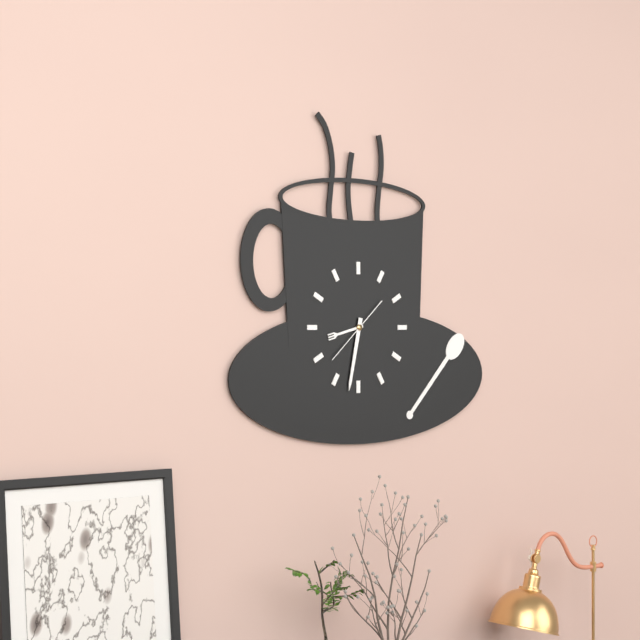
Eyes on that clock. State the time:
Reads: 8:32
